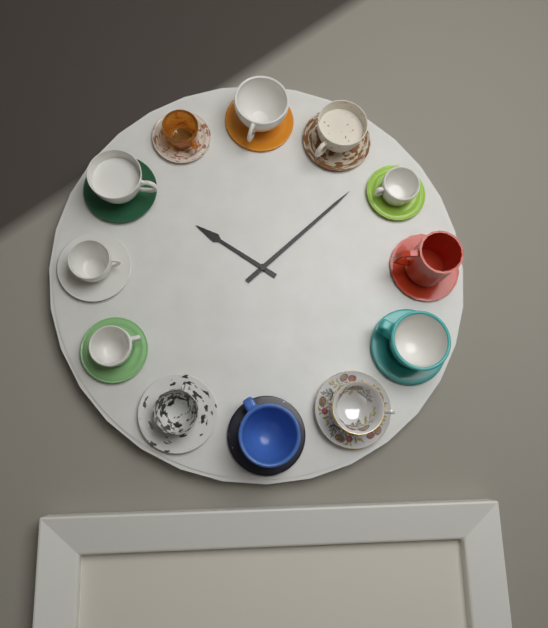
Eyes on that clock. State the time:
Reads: 10:08
